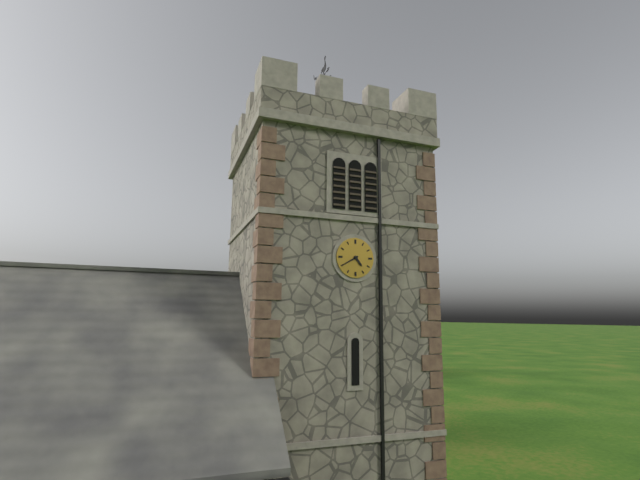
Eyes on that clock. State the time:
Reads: 4:40
